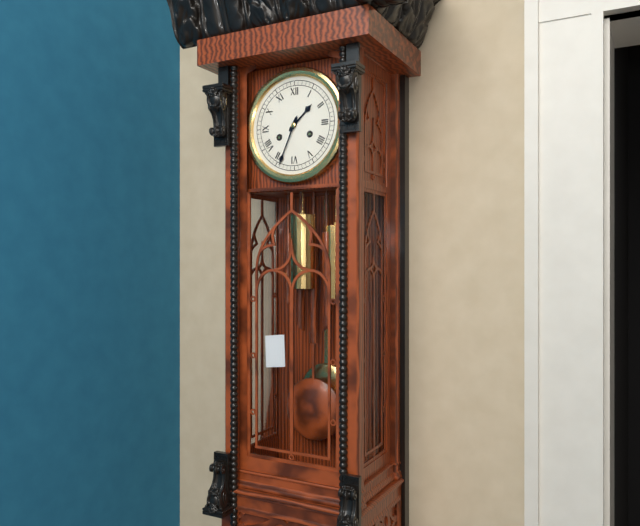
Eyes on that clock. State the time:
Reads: 1:34
